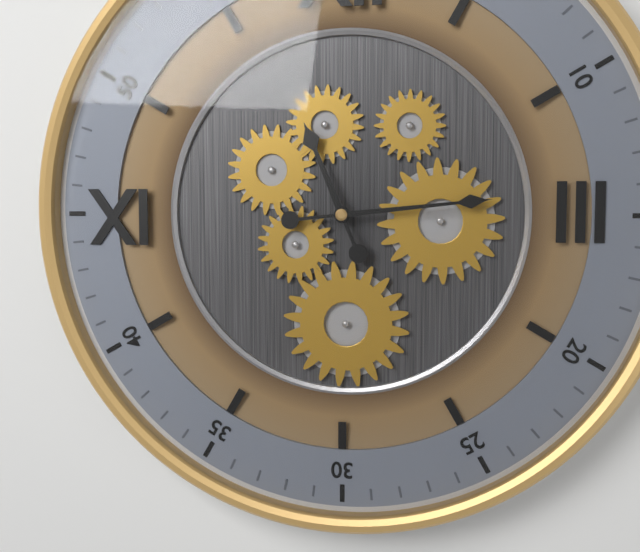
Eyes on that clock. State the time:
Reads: 11:14
